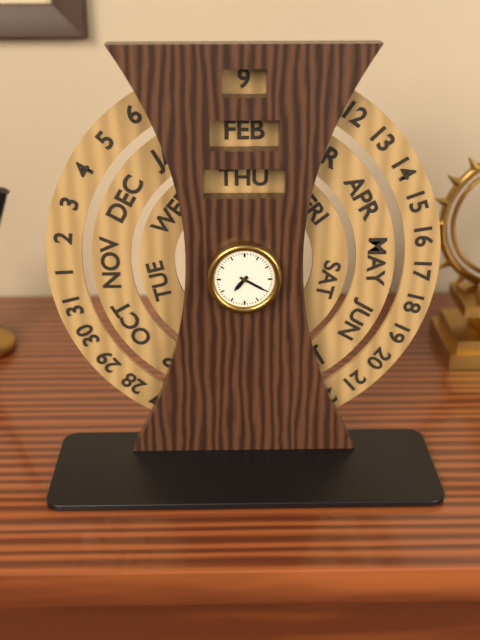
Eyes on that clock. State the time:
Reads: 7:20
